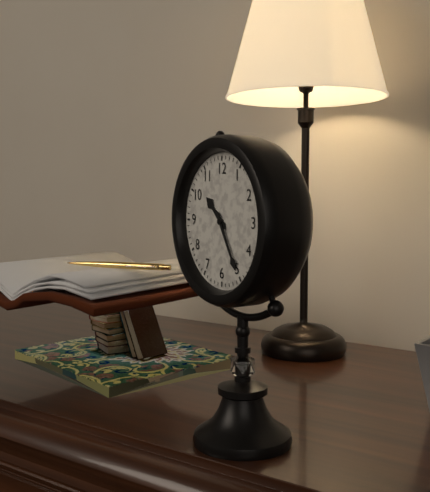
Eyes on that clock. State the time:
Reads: 10:25
